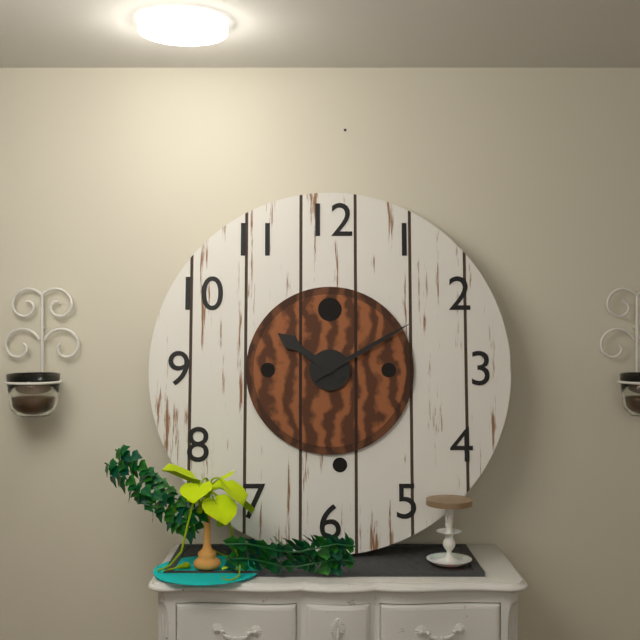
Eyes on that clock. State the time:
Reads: 10:10
